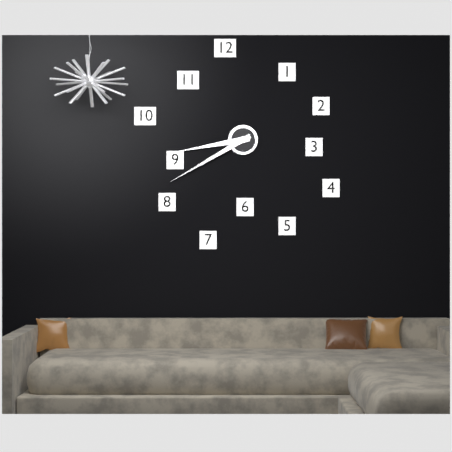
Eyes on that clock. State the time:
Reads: 8:40
